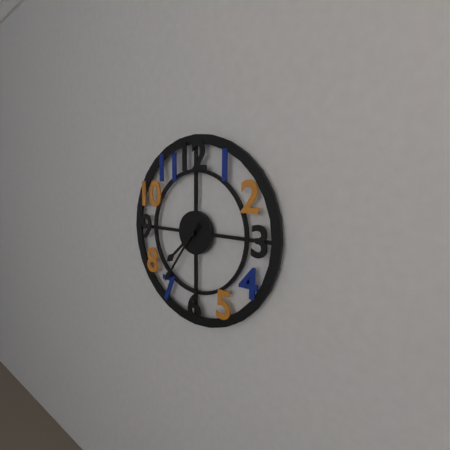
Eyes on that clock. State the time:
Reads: 7:36
